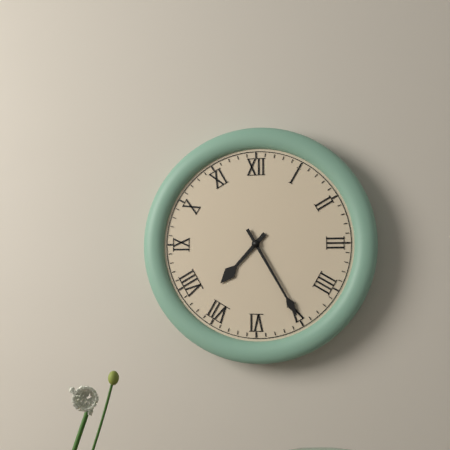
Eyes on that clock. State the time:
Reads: 7:25
